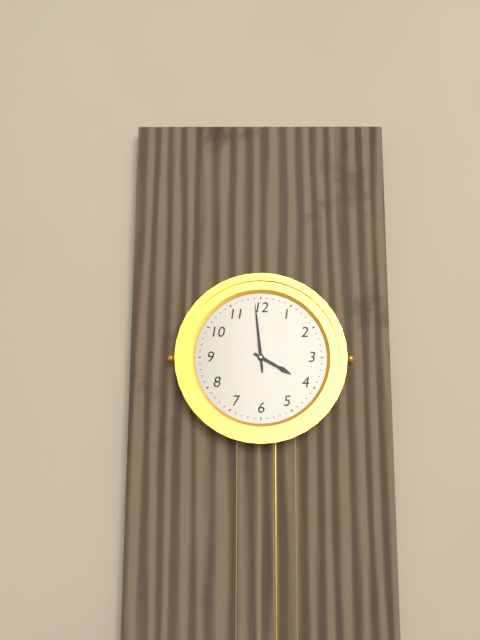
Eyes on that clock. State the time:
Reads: 3:59
